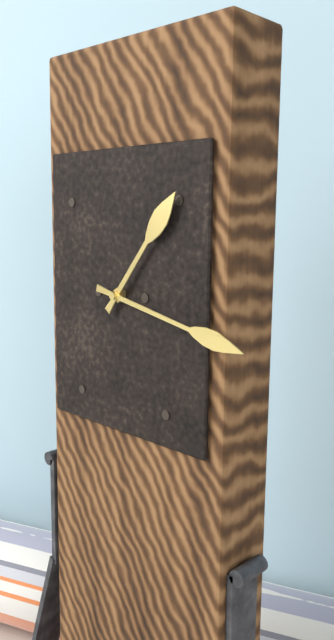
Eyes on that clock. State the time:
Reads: 1:17
